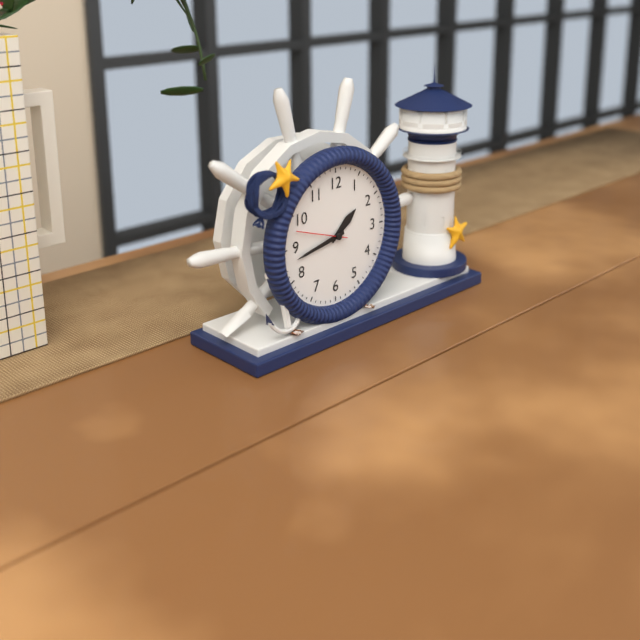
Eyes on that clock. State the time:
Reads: 1:43:48
